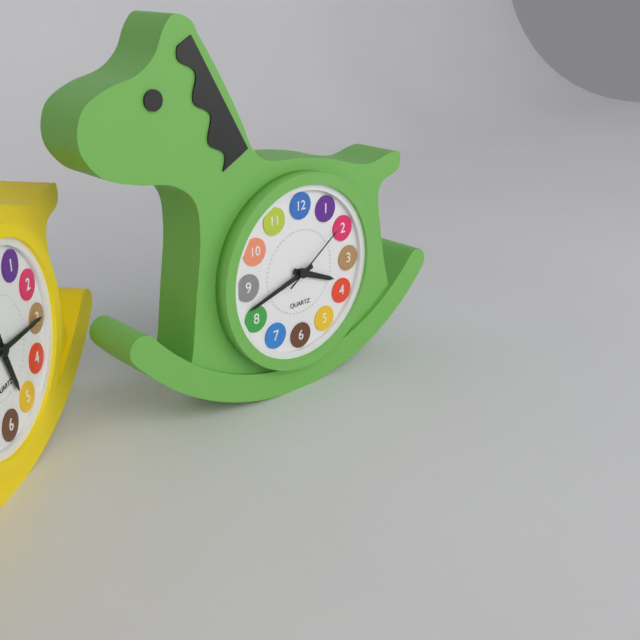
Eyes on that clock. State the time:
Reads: 3:42:09
